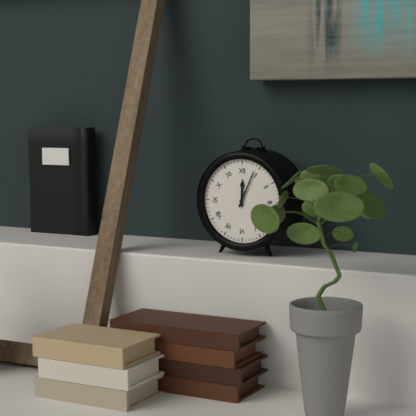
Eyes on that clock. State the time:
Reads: 12:04
